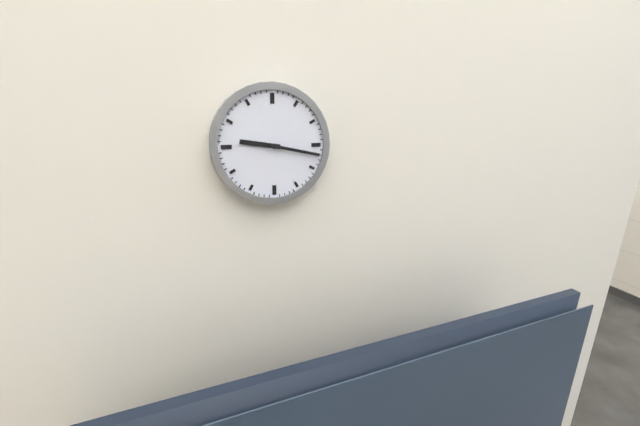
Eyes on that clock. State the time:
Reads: 9:17
